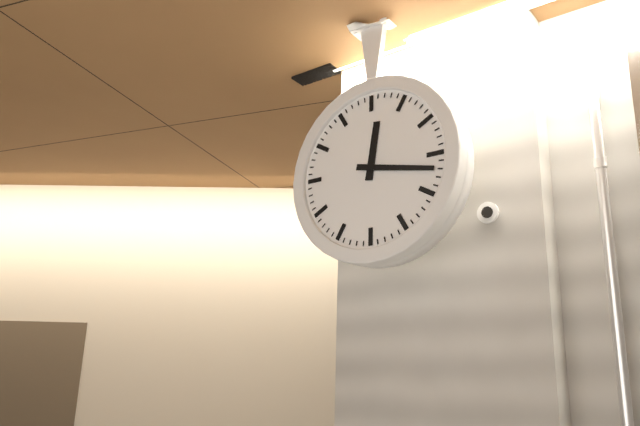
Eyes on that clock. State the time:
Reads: 12:17
